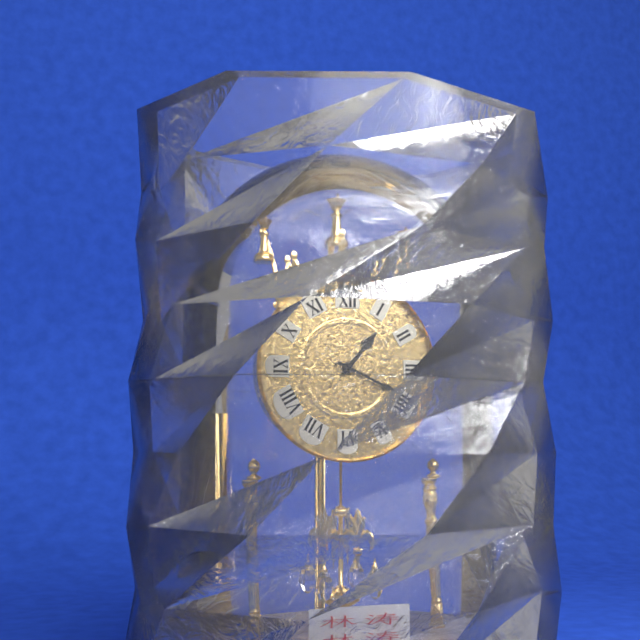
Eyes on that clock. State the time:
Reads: 1:19
